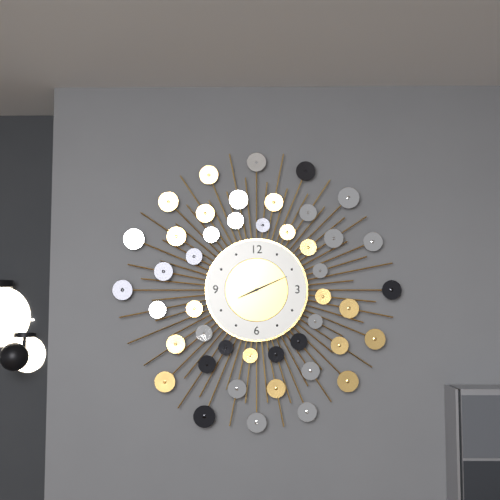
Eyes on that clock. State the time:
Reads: 8:11
